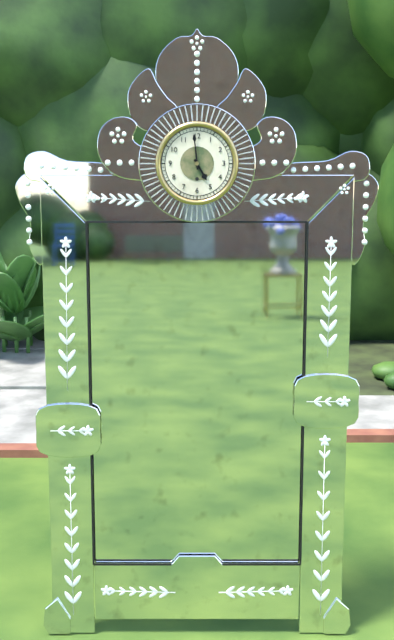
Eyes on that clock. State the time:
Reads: 4:59
